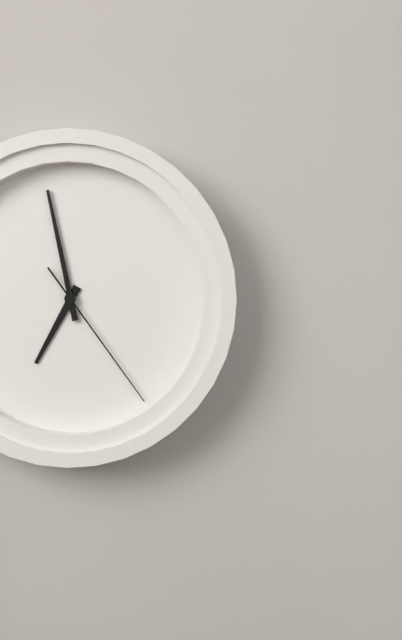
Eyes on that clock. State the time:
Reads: 6:58:24
